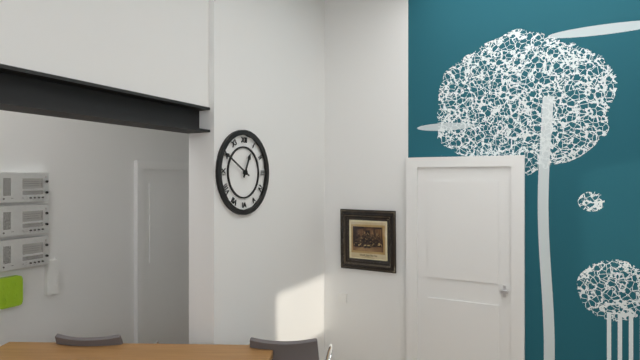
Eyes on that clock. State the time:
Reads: 12:50
